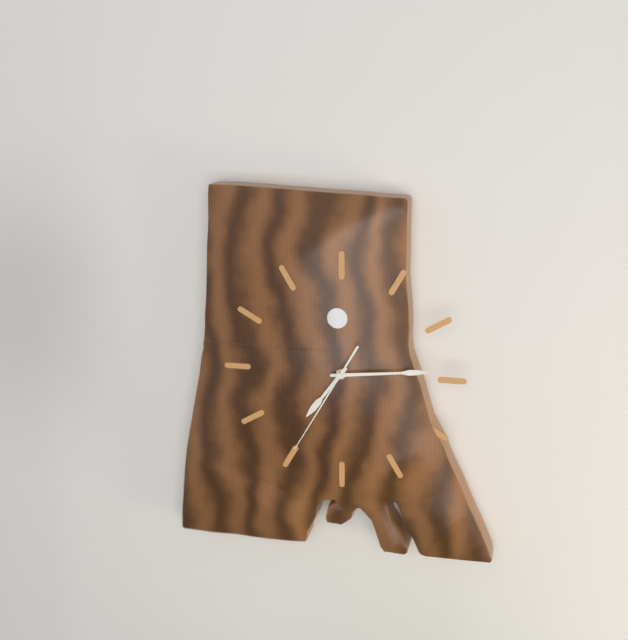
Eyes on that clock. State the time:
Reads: 7:14:35
